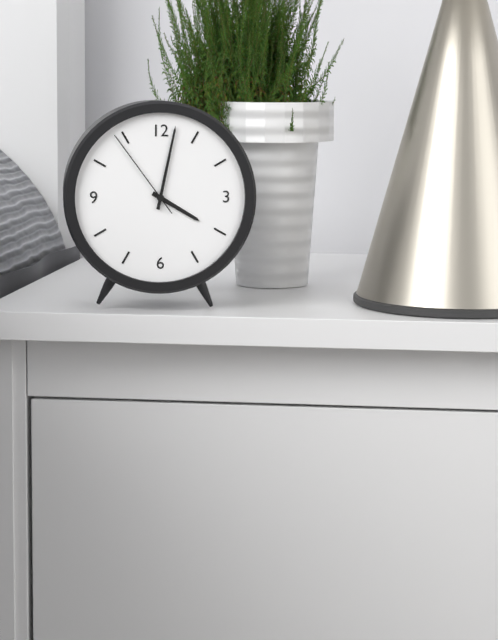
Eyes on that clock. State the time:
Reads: 4:02:54
